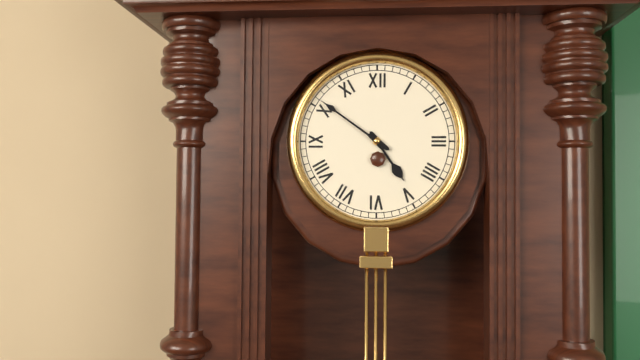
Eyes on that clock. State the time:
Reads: 4:51
